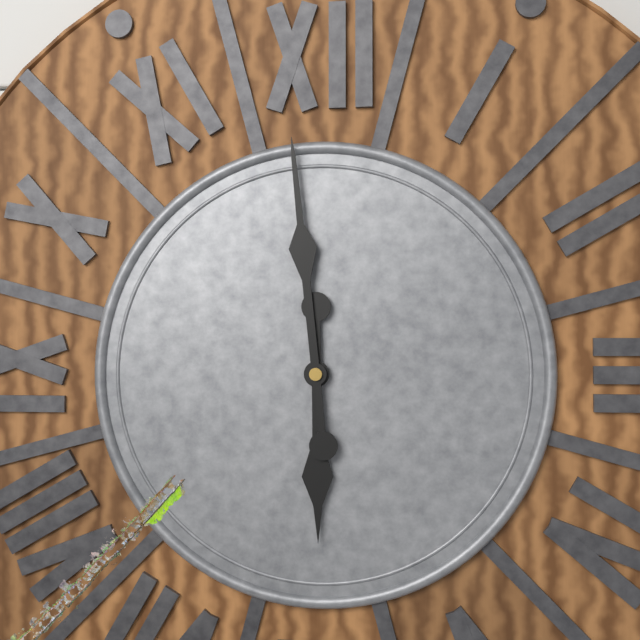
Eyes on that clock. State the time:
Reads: 5:59
